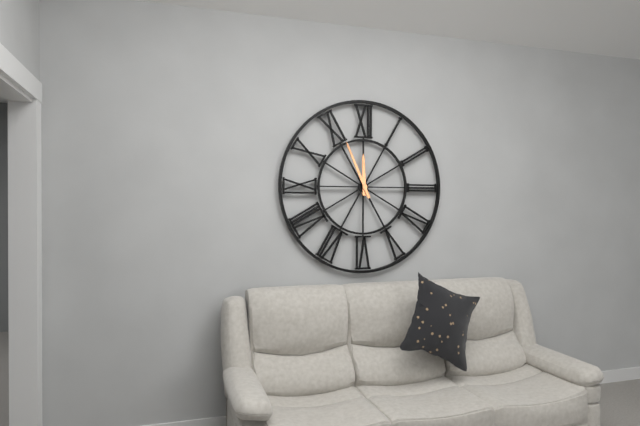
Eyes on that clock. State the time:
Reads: 11:56
